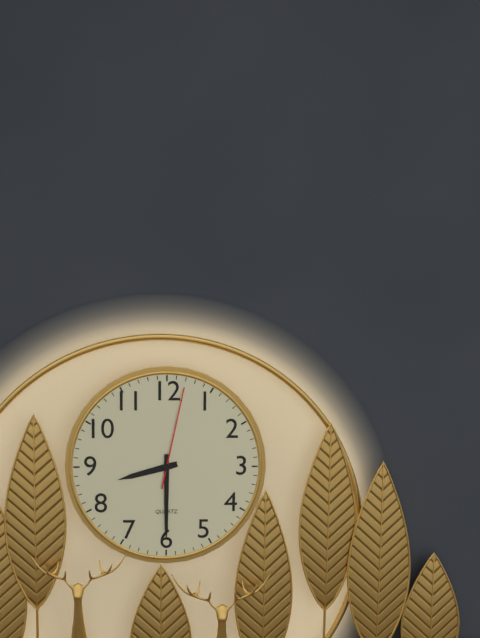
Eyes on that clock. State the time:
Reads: 8:30:02
